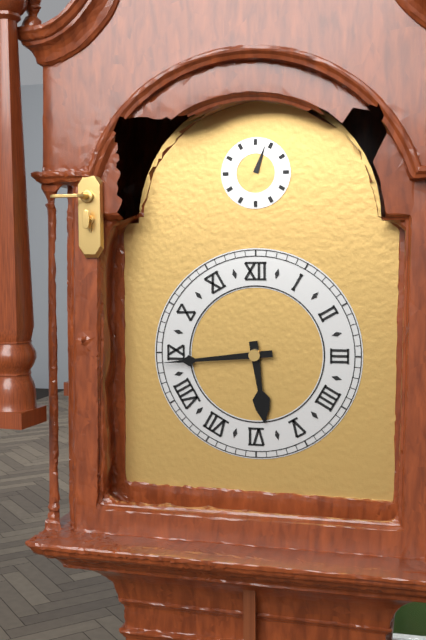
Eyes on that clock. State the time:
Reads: 5:44
